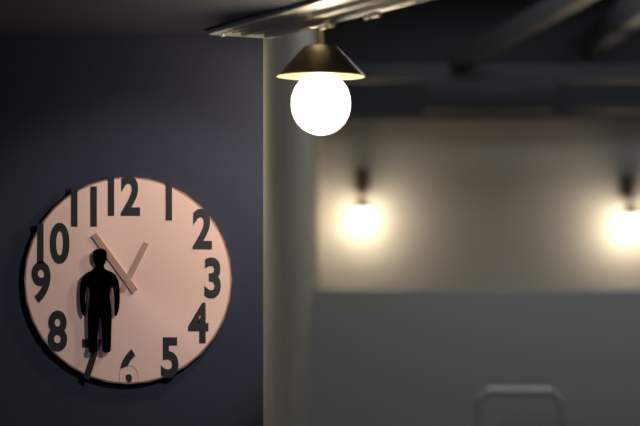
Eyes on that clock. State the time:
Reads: 12:54
